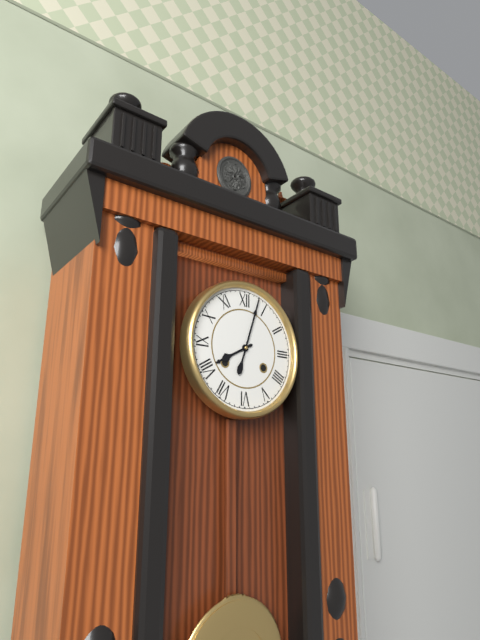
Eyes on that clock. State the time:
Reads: 8:03
